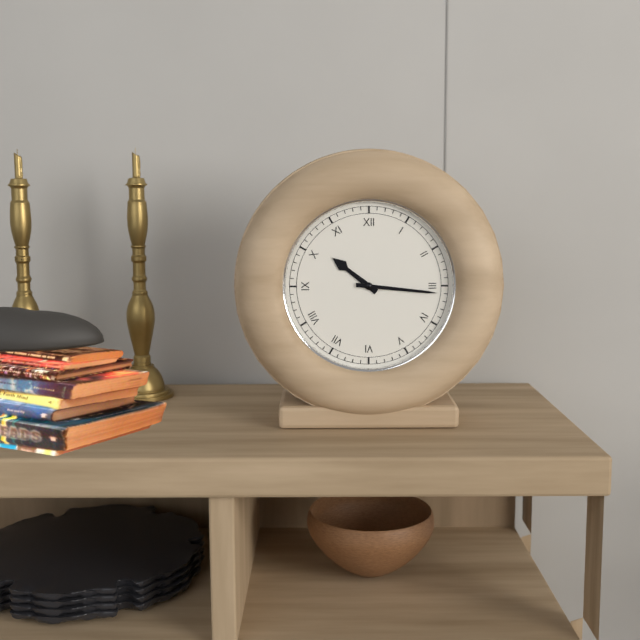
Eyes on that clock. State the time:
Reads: 10:16
